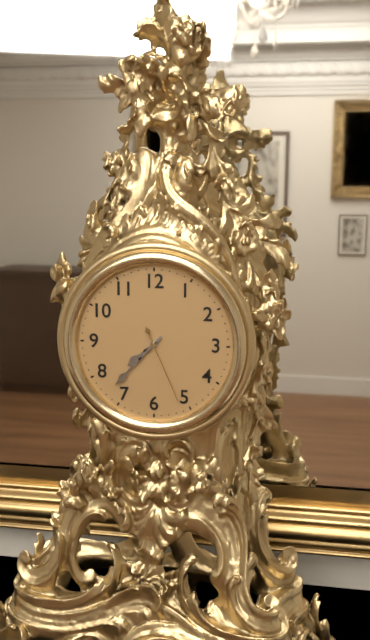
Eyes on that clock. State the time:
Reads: 7:37:26
